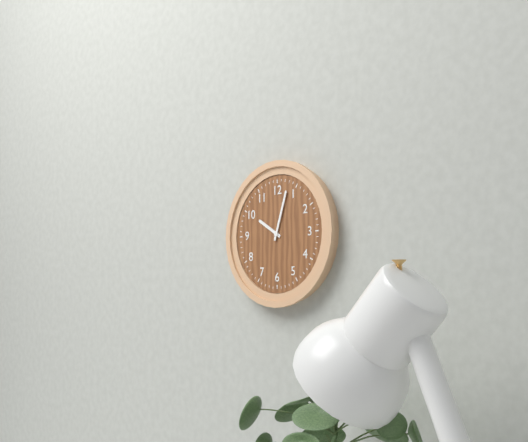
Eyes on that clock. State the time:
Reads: 10:03
